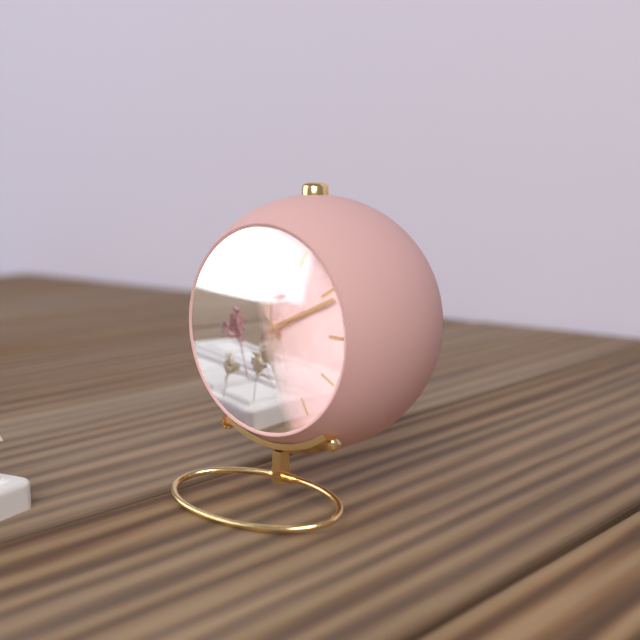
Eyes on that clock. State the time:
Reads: 10:11:00
